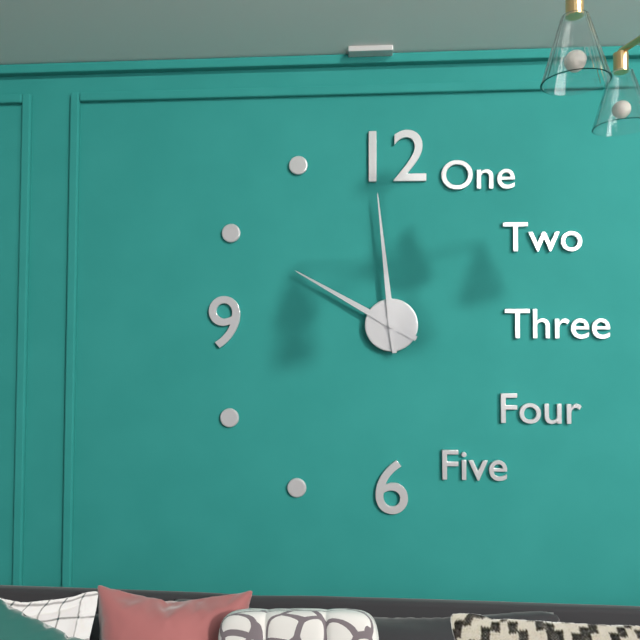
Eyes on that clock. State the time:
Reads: 9:59
